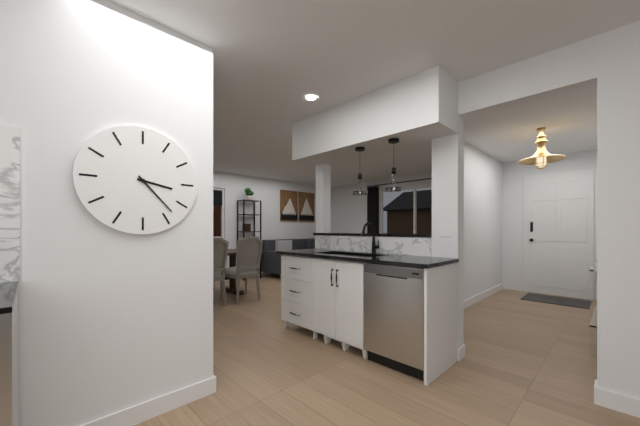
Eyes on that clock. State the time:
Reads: 3:23
